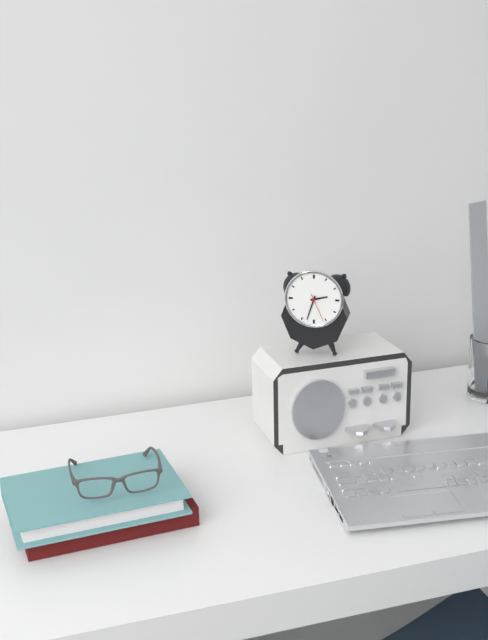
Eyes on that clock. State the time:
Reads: 2:33
